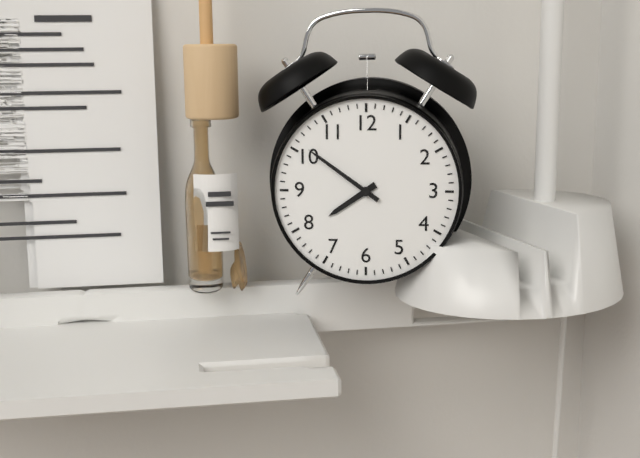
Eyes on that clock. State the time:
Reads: 7:51
